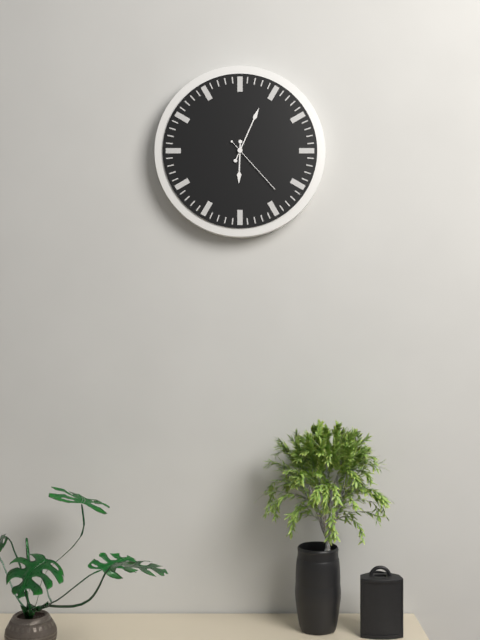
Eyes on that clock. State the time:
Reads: 6:04:23
